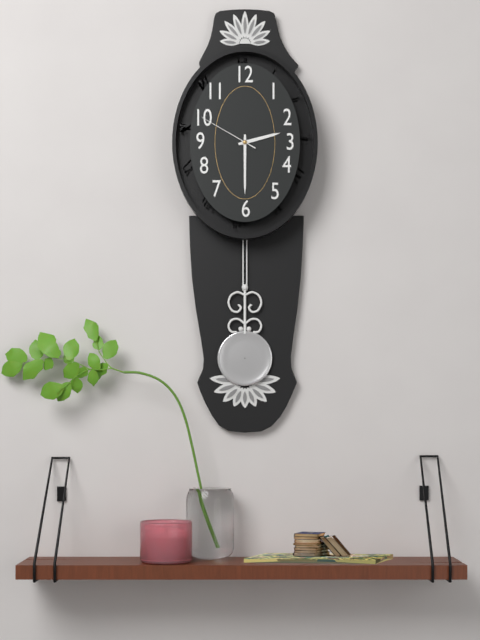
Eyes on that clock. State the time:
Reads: 2:30:50
